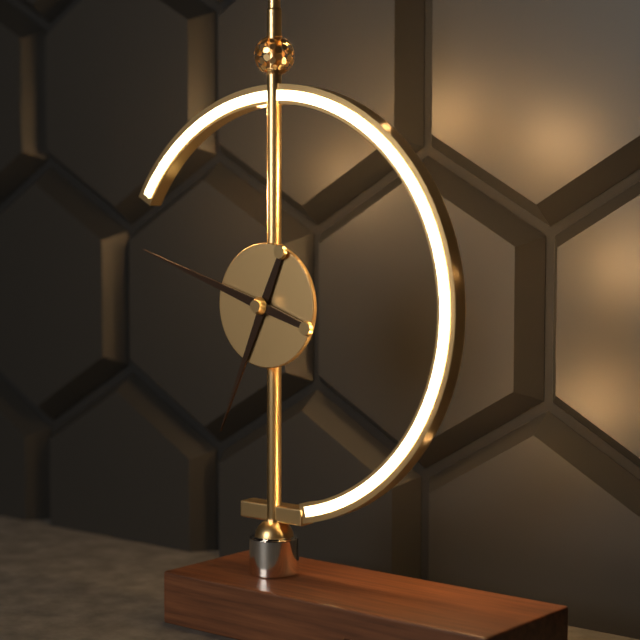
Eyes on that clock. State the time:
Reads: 6:48
